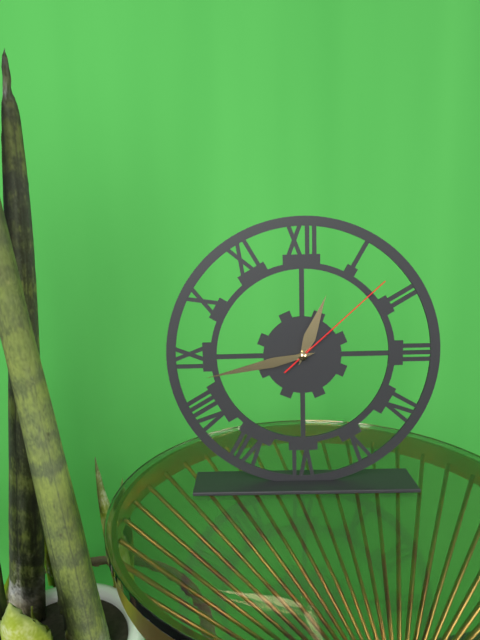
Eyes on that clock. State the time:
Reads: 12:43:08
